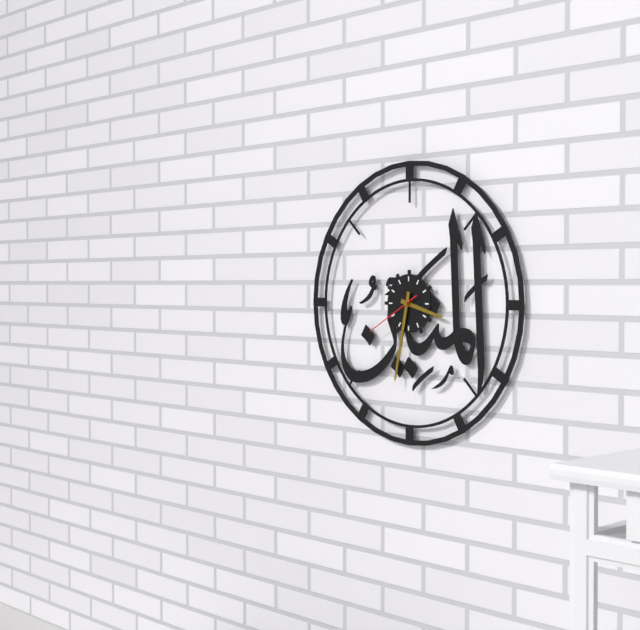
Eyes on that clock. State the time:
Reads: 3:32:40
